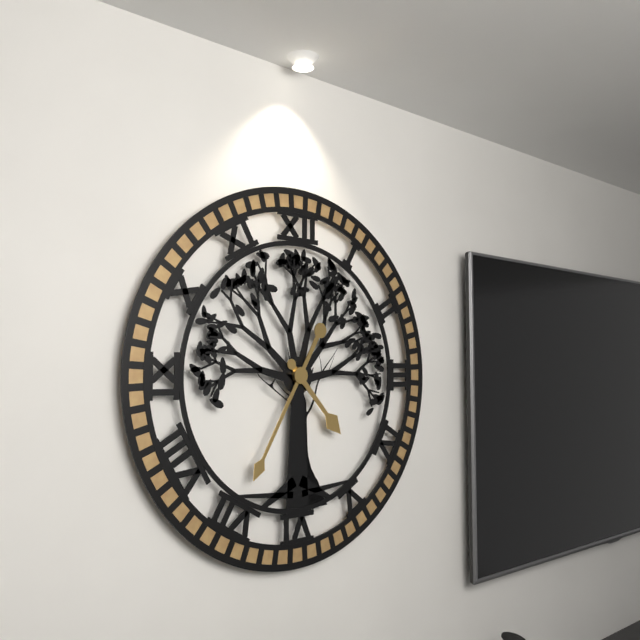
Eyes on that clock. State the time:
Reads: 4:35
